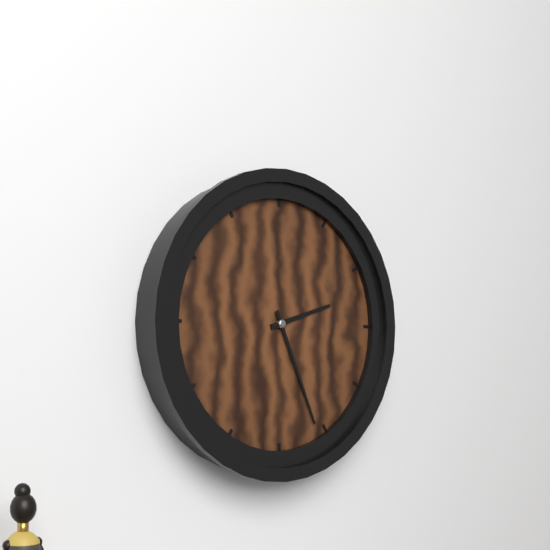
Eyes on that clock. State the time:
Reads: 2:26
